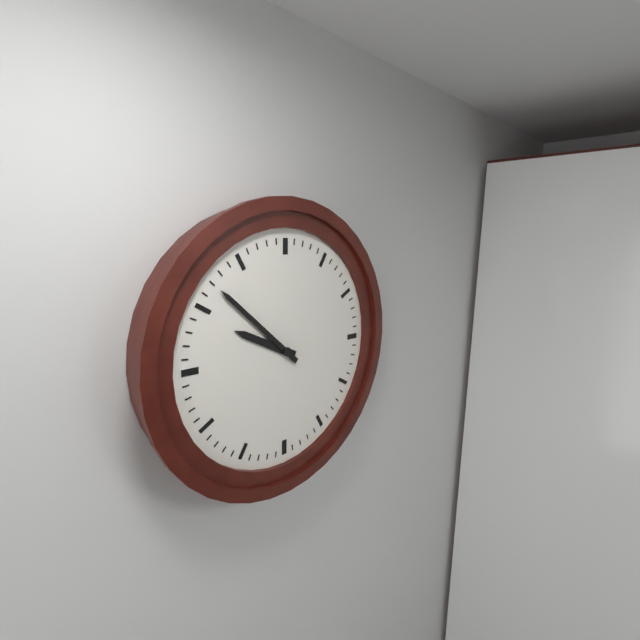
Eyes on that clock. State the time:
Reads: 9:52
